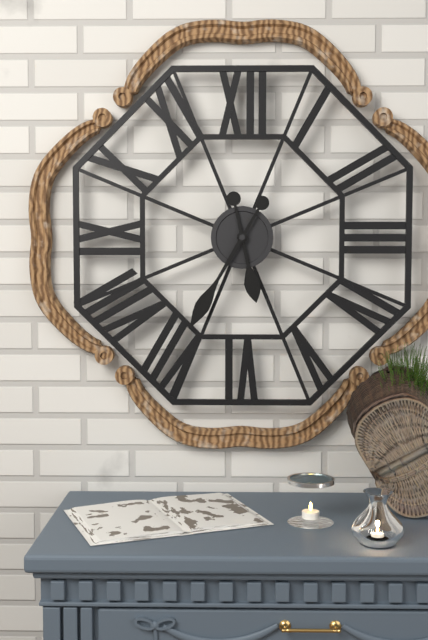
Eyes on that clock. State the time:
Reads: 5:35
